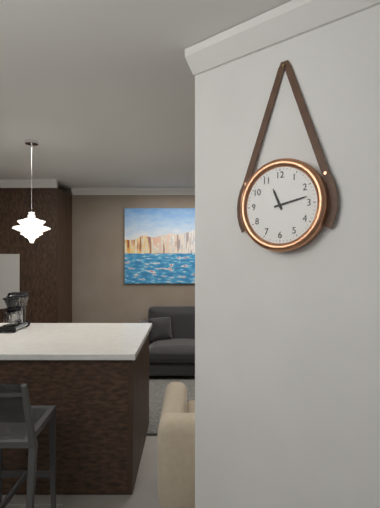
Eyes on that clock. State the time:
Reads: 11:13
